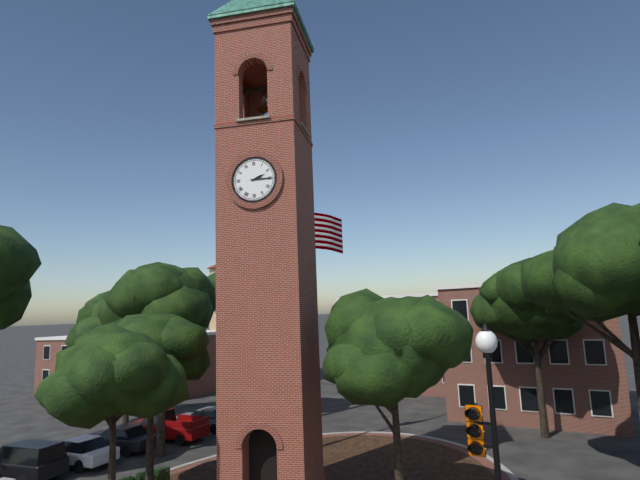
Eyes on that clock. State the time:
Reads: 2:15
